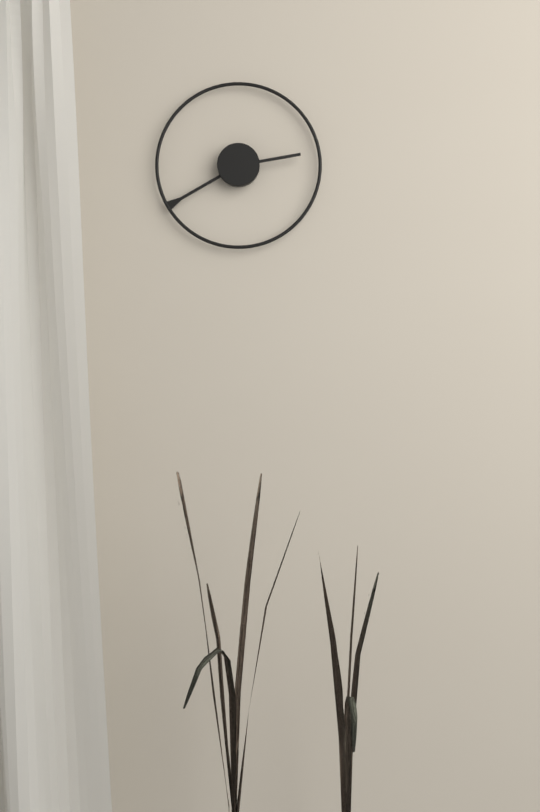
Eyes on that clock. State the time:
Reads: 2:40
